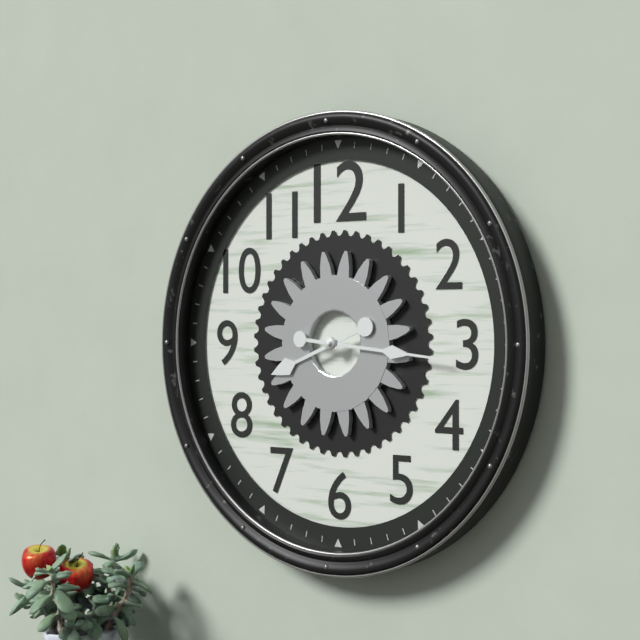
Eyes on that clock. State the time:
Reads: 8:16
